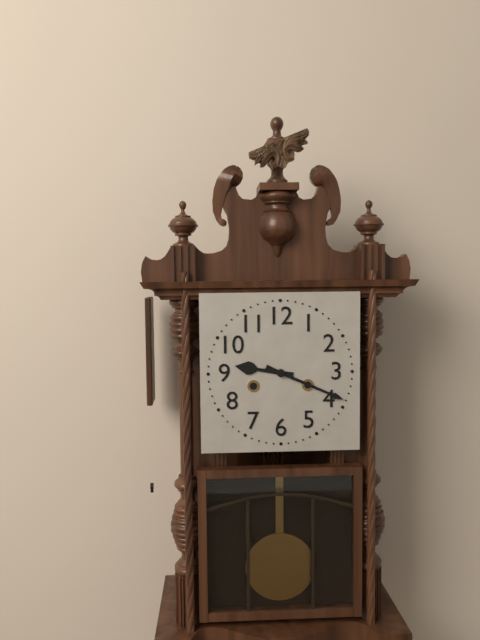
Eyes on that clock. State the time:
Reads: 9:19
